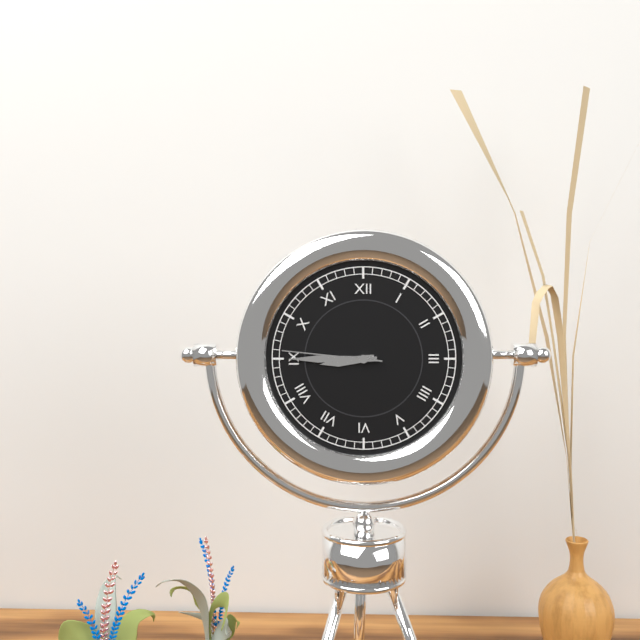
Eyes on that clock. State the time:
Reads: 8:45:46
